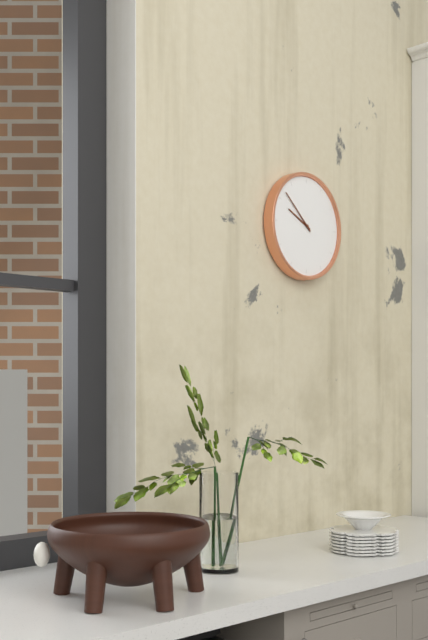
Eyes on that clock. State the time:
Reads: 9:52
